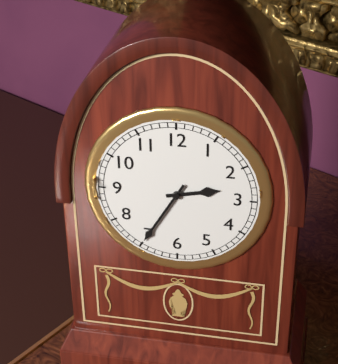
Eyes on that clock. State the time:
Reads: 2:35
